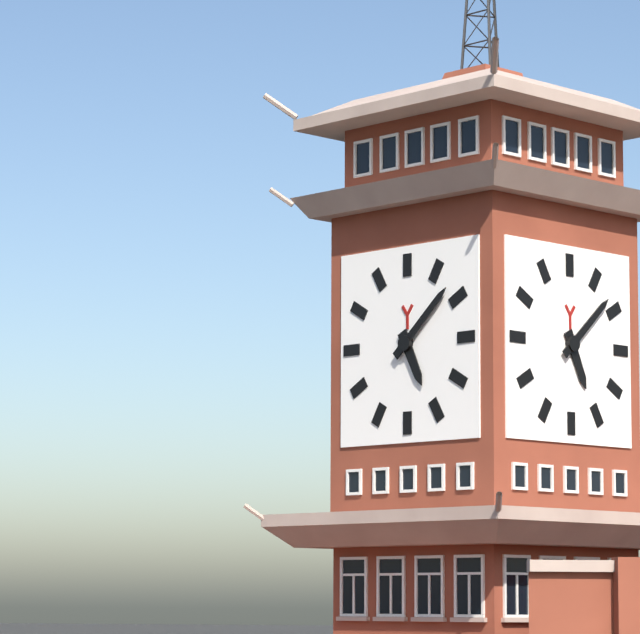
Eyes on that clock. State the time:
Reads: 5:08
